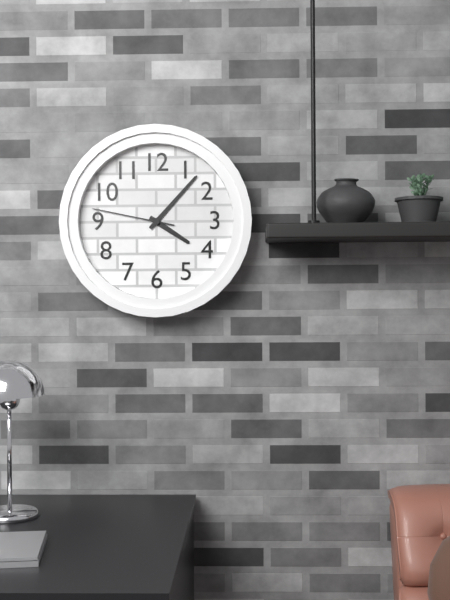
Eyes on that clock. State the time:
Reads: 4:07:47
